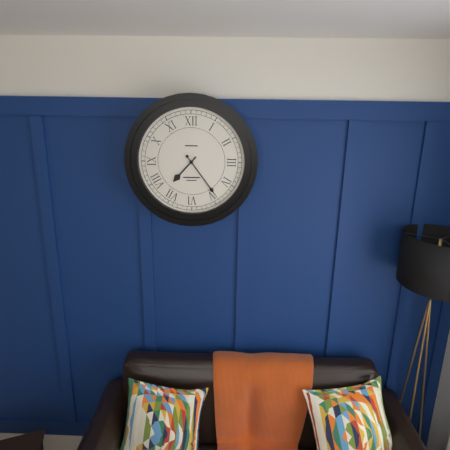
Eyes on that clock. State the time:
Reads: 7:24
